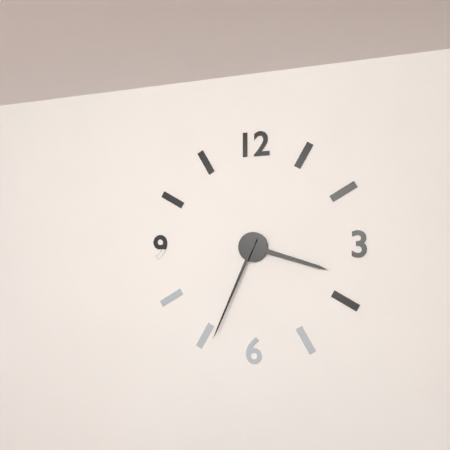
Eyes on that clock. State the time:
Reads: 3:34
